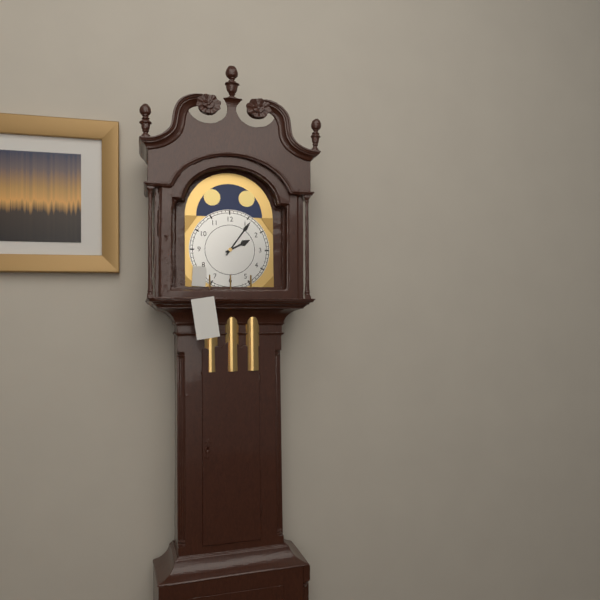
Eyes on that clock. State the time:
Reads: 2:06
